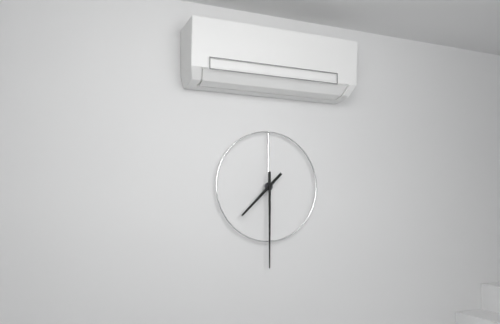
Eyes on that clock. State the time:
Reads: 7:30
